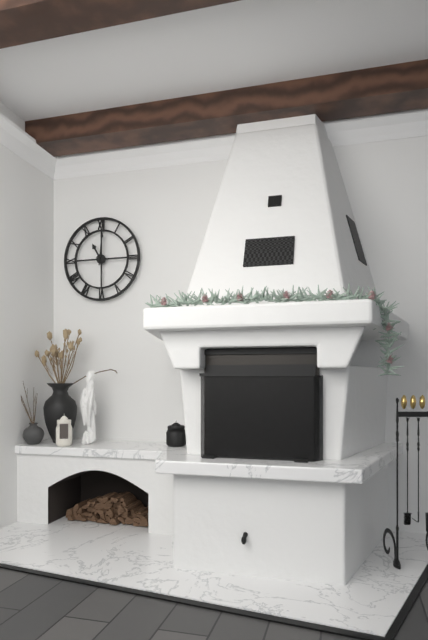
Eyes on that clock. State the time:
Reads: 11:01
